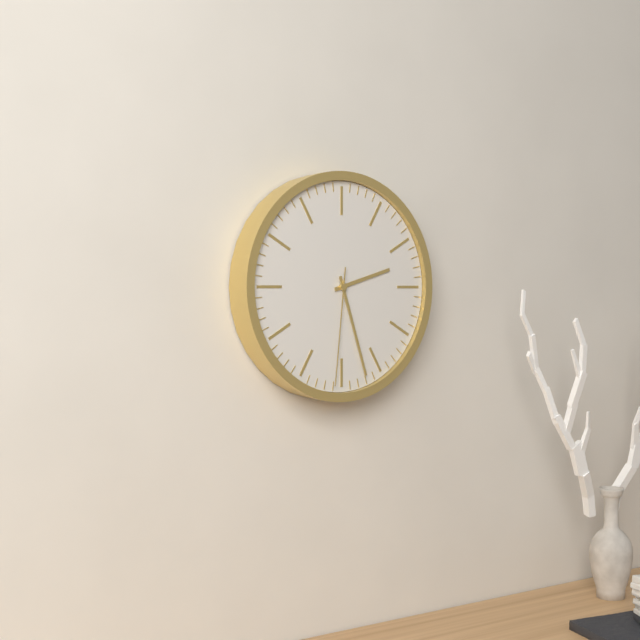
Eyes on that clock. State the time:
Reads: 2:27:31
